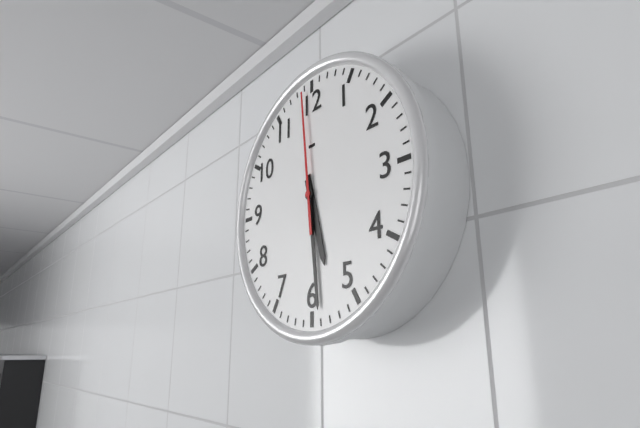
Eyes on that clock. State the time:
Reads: 5:29:59
